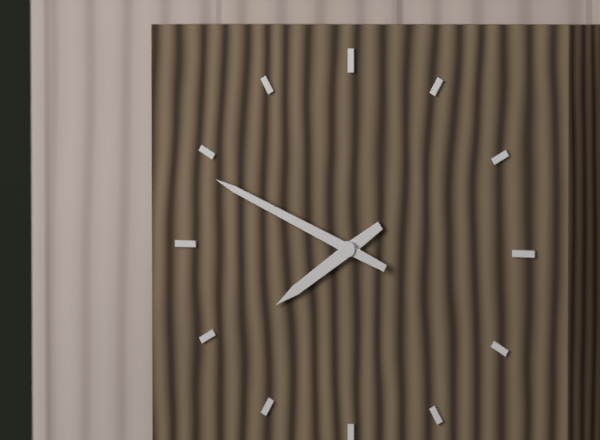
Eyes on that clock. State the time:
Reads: 7:49
